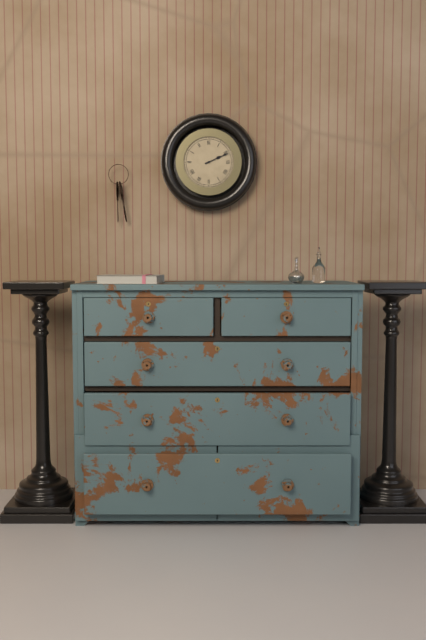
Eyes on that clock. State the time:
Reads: 2:11
